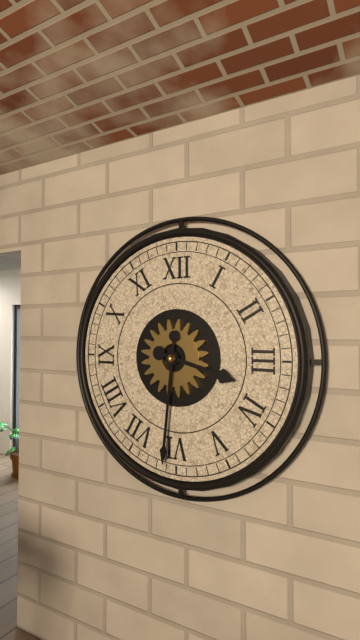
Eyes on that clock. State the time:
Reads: 3:31
